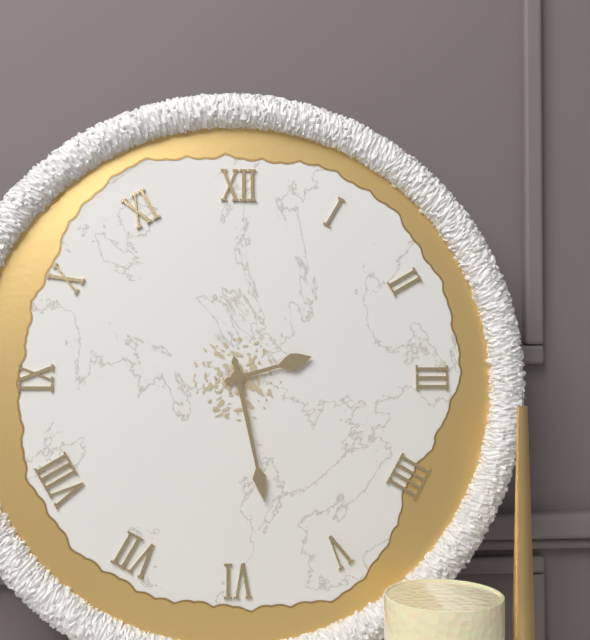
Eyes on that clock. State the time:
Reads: 2:28
